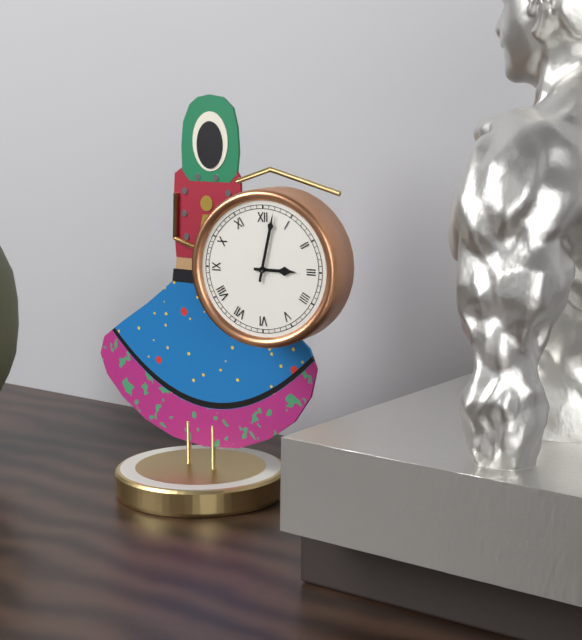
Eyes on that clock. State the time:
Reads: 3:02
